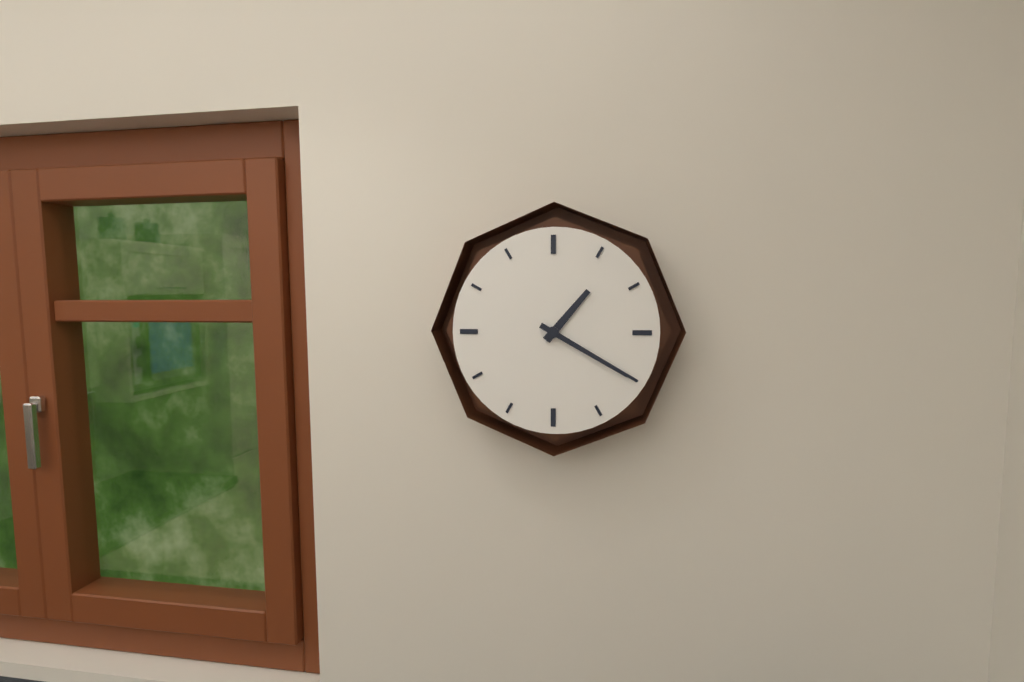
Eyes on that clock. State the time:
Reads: 1:20
